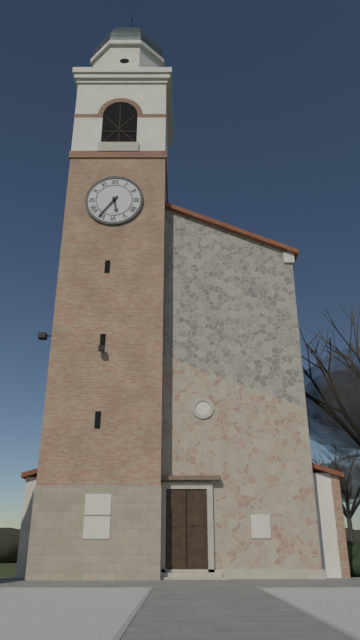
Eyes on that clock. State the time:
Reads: 5:36
